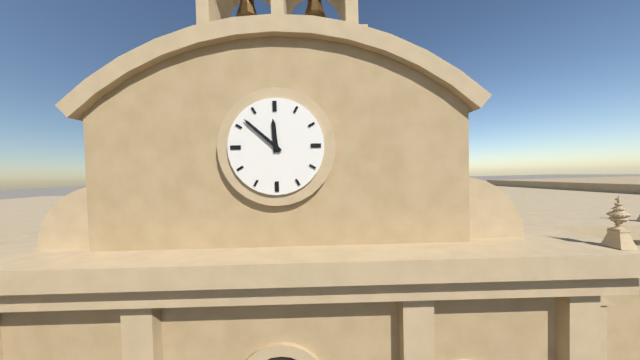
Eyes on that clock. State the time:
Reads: 11:52
